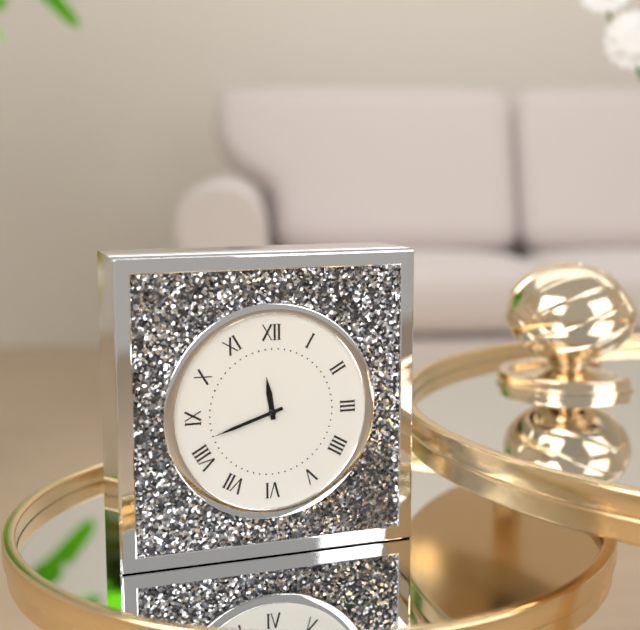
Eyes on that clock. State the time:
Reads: 11:42
